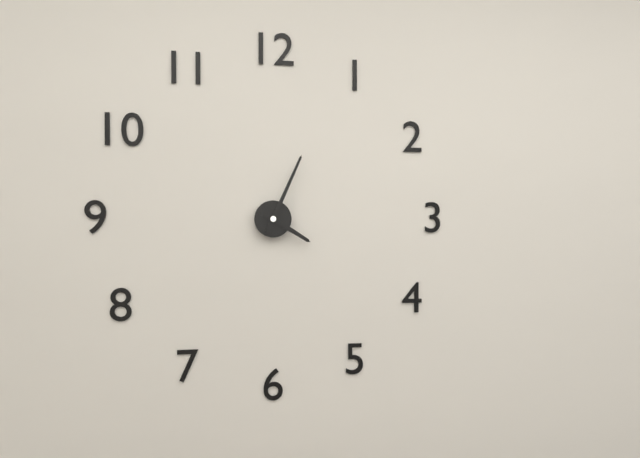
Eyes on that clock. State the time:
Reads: 4:04
